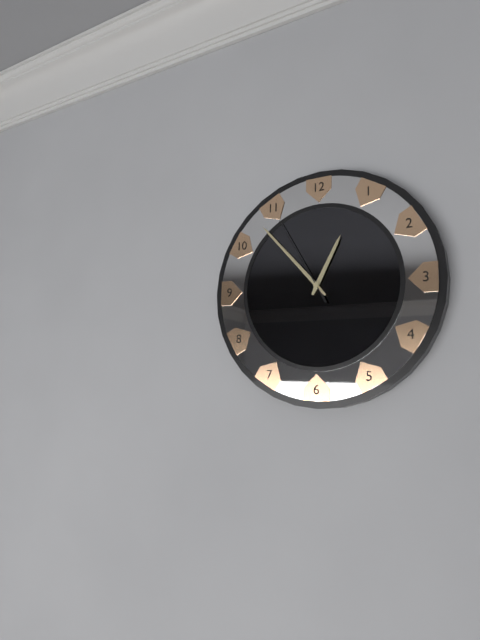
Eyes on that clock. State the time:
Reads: 12:53:55
